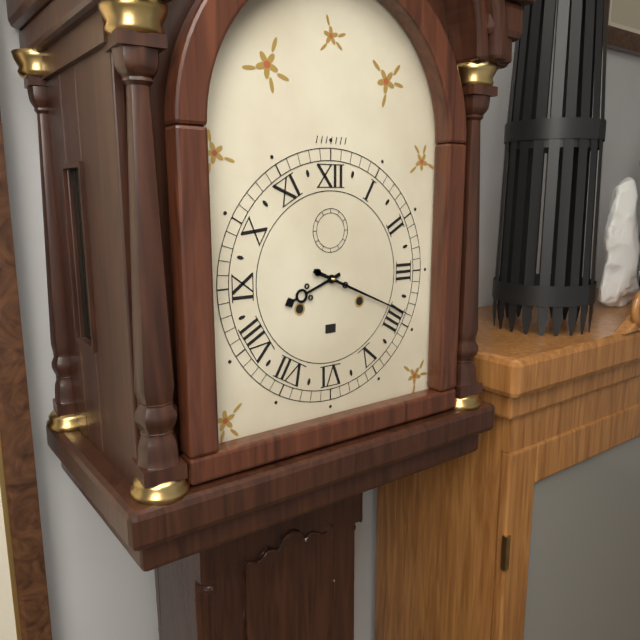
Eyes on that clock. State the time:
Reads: 8:19
